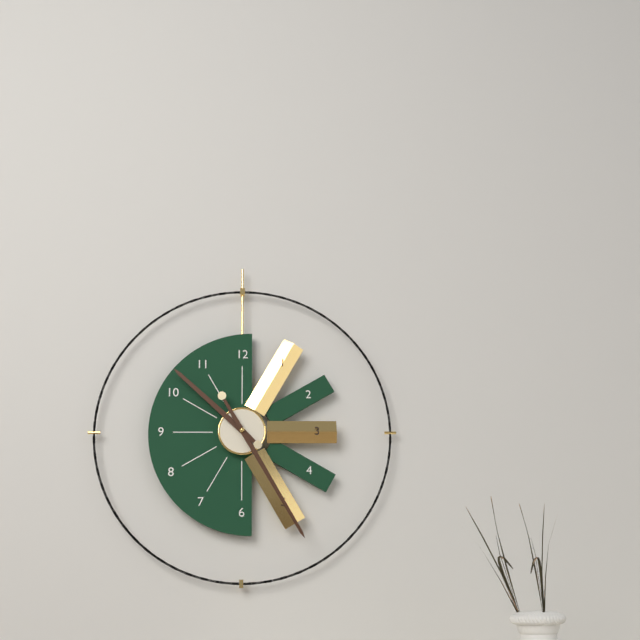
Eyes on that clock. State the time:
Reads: 10:25
